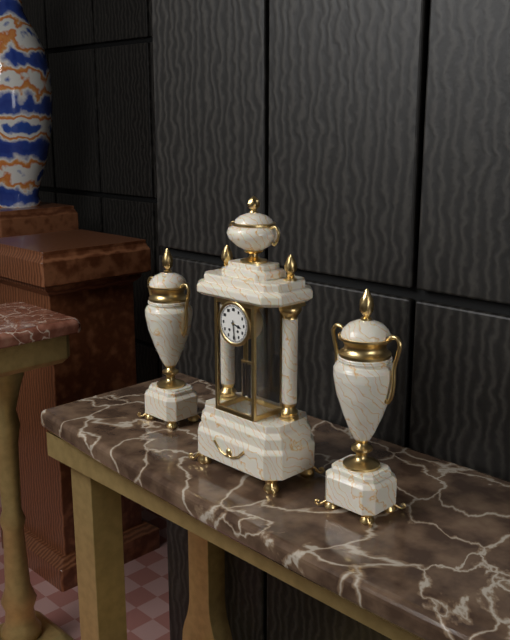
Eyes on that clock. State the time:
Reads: 3:29
